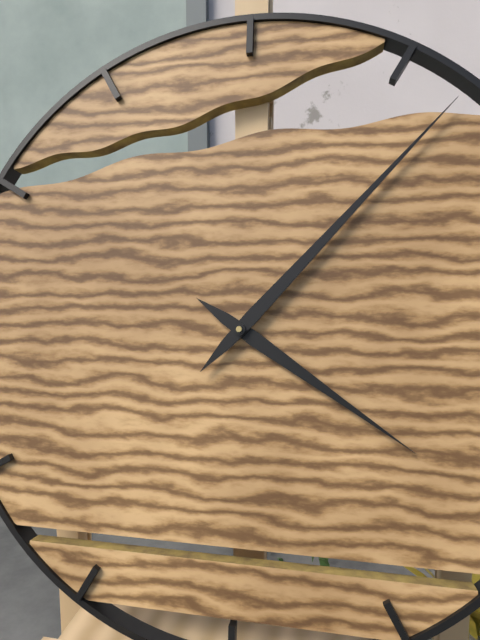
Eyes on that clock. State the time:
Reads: 4:07
